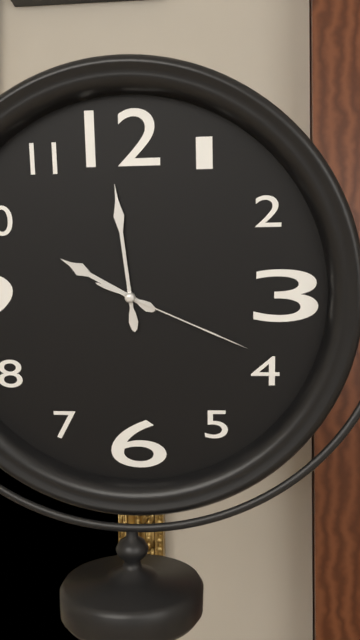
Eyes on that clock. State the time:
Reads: 9:59:19
